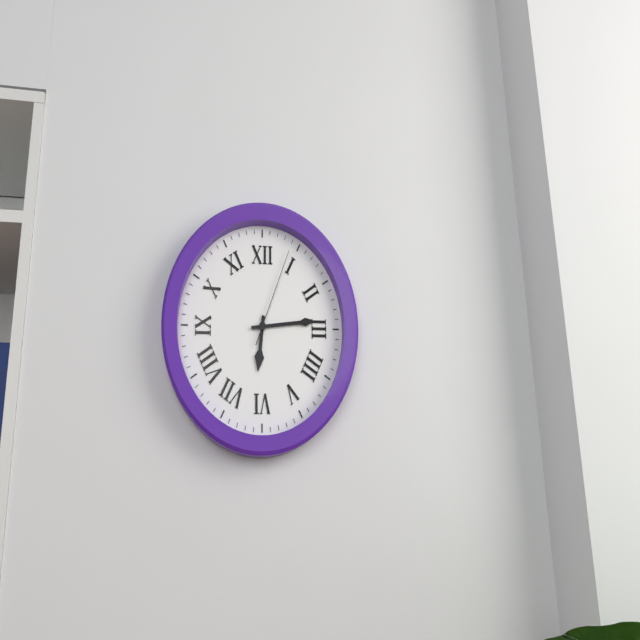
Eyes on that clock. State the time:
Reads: 6:14:04
